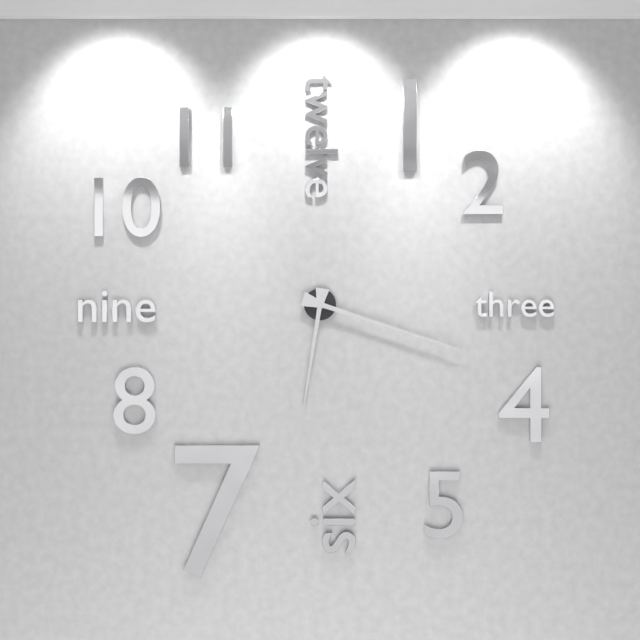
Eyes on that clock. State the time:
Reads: 6:18
